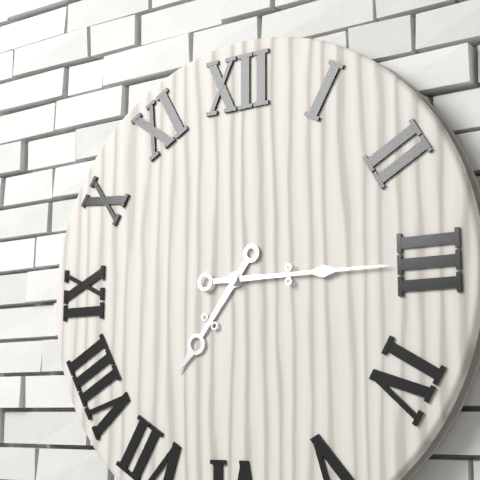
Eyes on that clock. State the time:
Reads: 7:15
